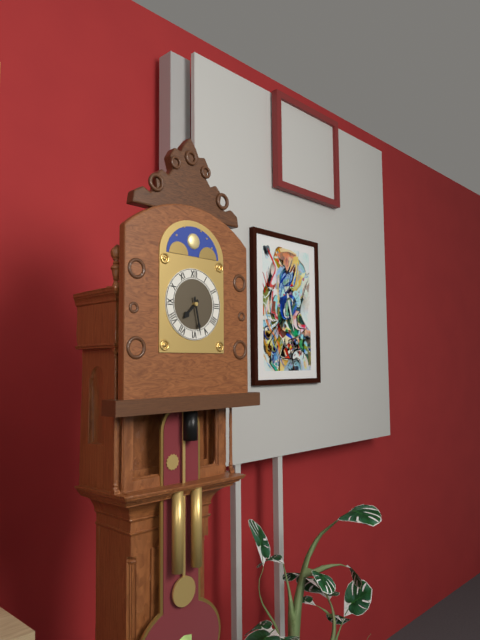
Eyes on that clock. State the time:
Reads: 7:28
